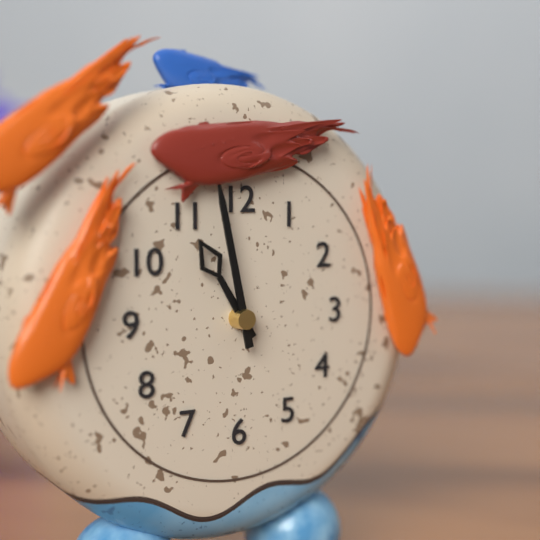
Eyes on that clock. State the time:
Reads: 10:58
